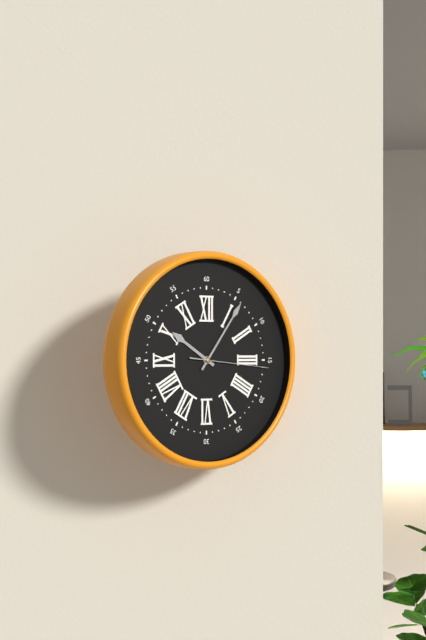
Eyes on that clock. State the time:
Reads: 10:06:16
